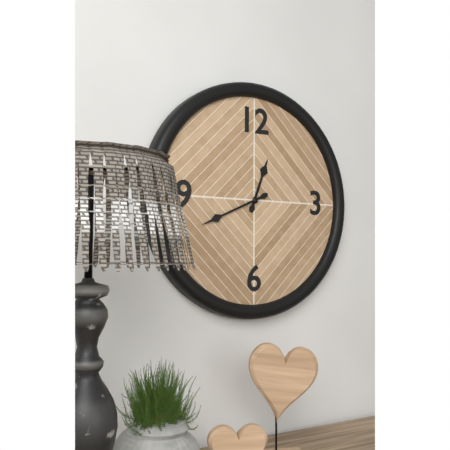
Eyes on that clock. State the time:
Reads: 12:41
